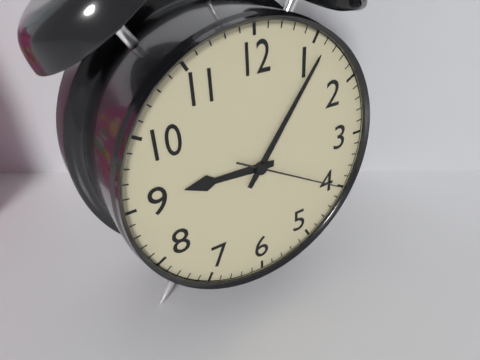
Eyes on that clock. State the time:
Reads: 9:06:20
